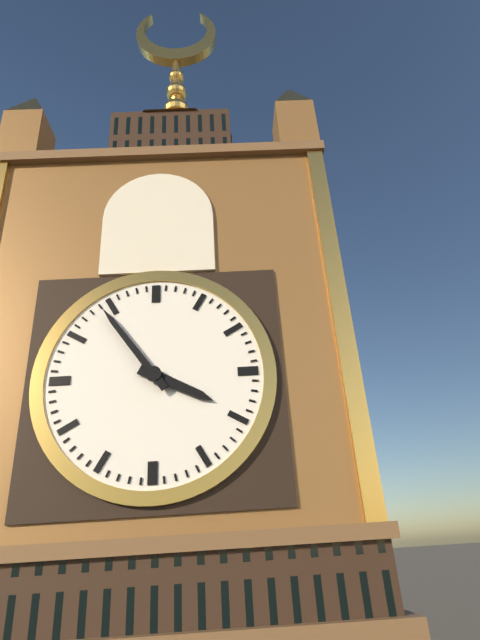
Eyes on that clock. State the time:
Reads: 3:54
